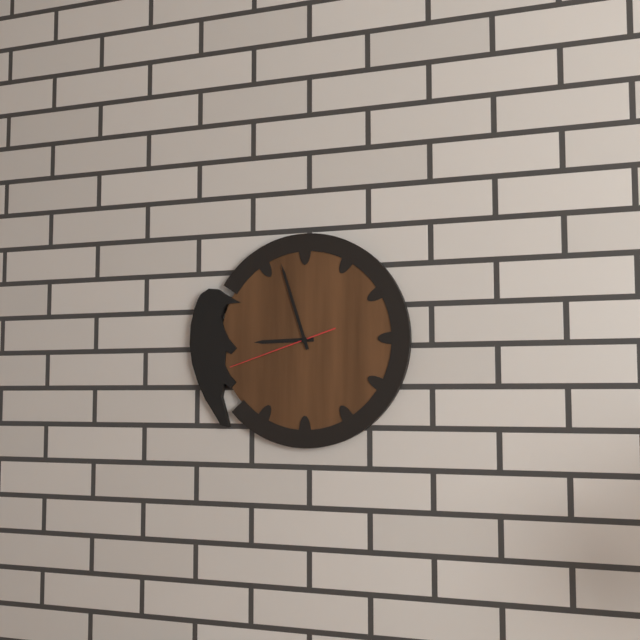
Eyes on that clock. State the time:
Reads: 8:57:42
